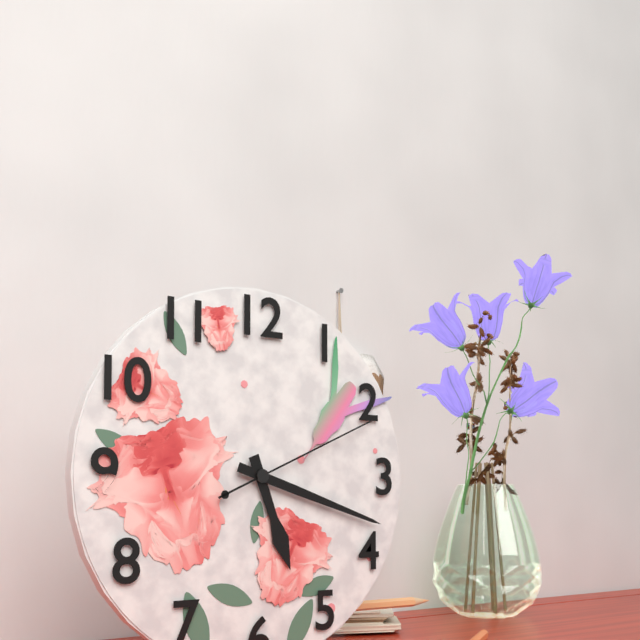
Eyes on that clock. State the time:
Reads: 5:18:11
